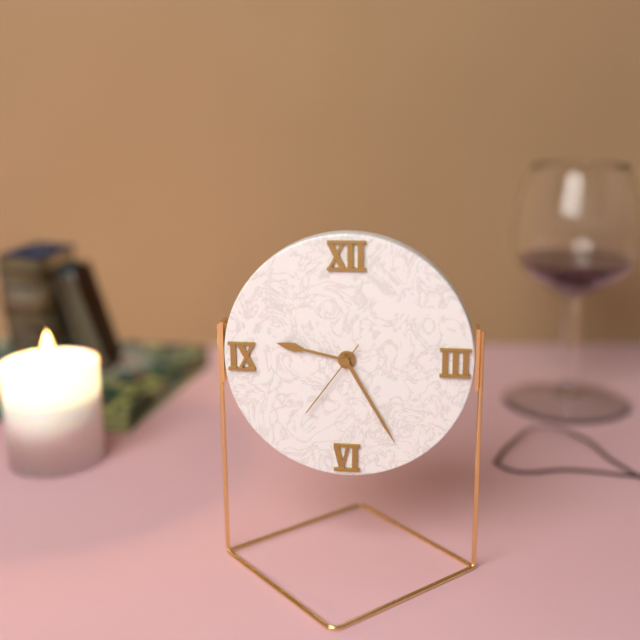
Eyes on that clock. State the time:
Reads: 9:25:36
